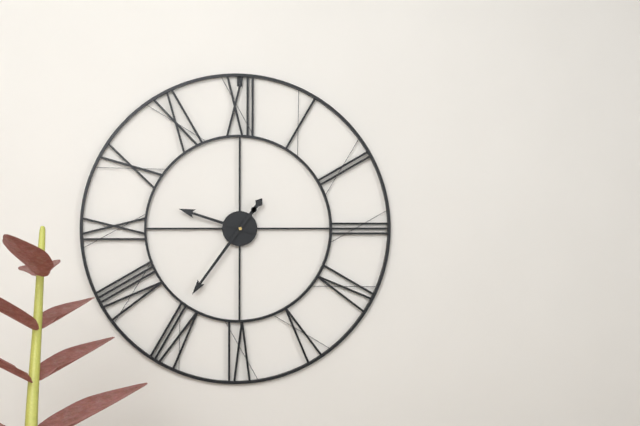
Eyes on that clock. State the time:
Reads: 9:36
